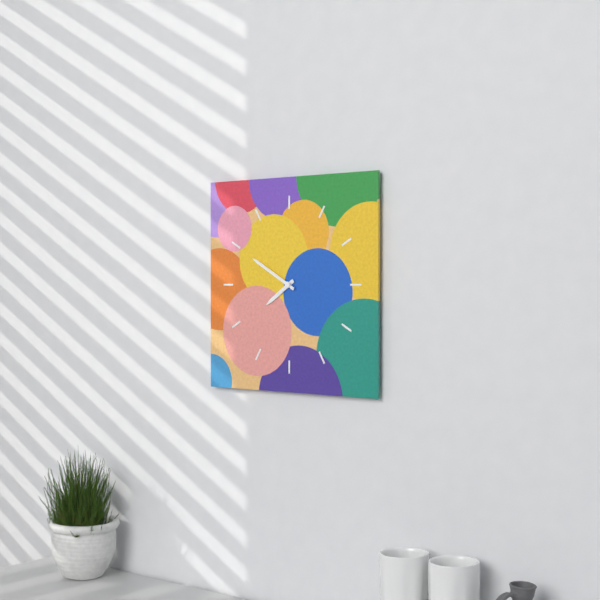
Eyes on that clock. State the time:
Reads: 7:50
